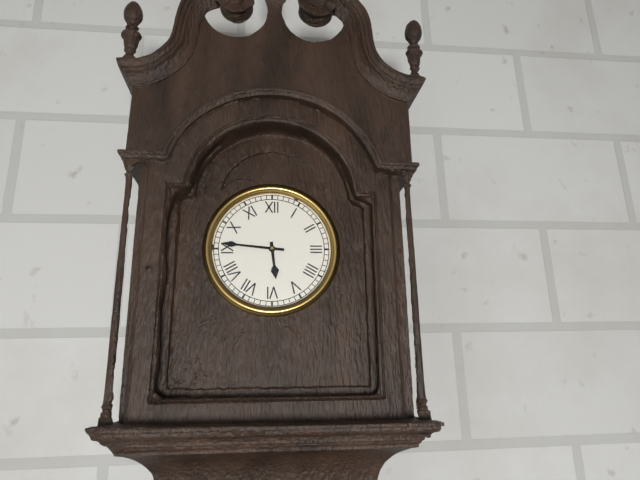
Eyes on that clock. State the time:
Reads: 5:46
